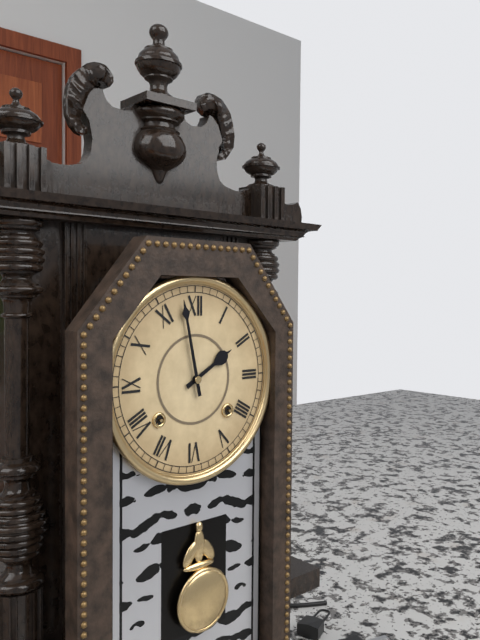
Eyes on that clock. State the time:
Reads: 1:58
